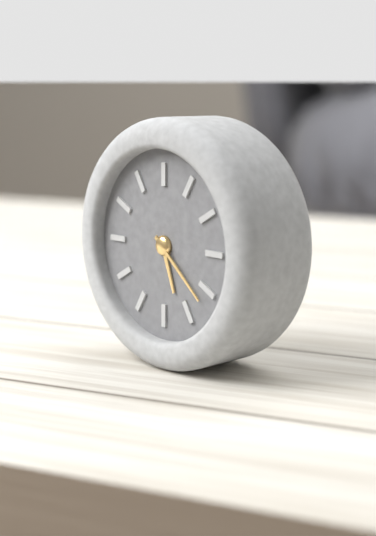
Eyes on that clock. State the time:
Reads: 5:22
